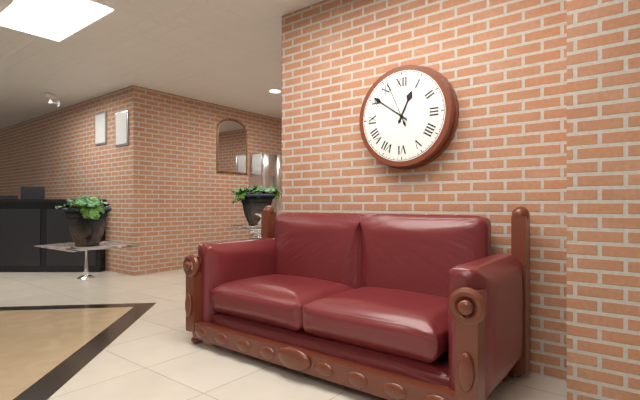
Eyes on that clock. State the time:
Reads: 12:51
